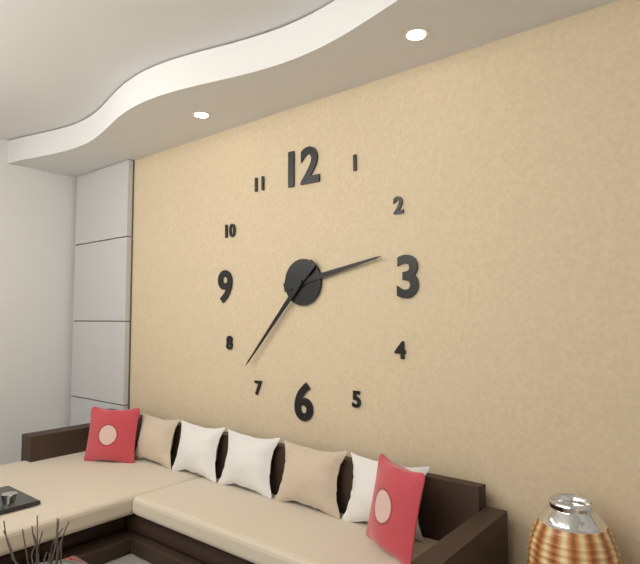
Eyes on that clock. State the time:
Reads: 2:37
